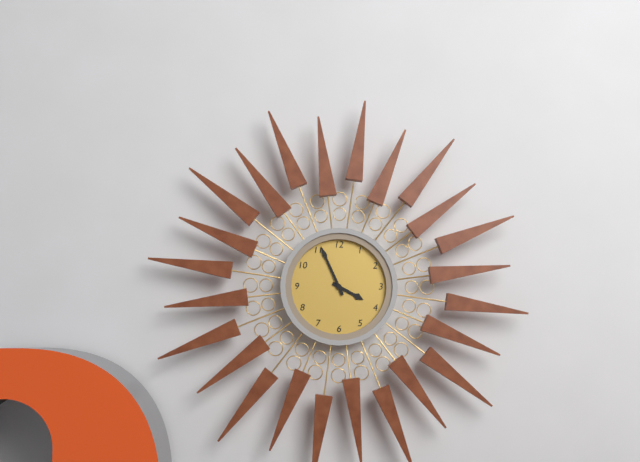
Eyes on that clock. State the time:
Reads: 3:56
